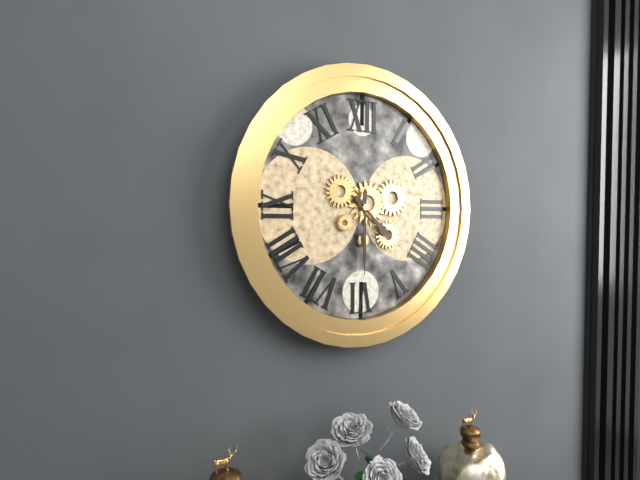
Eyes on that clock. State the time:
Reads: 4:30
